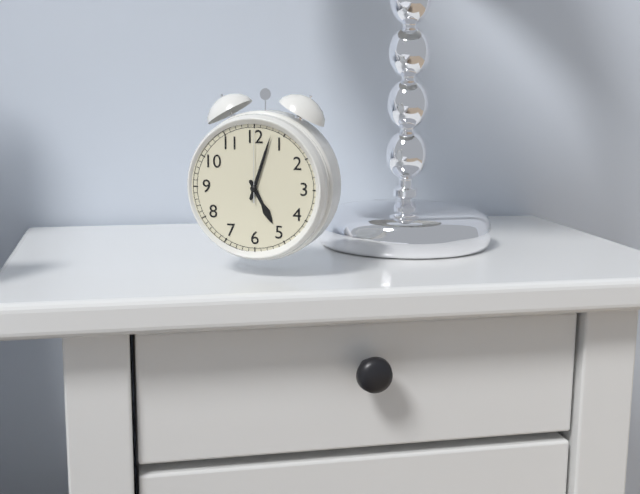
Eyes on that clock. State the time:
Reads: 5:03:00
